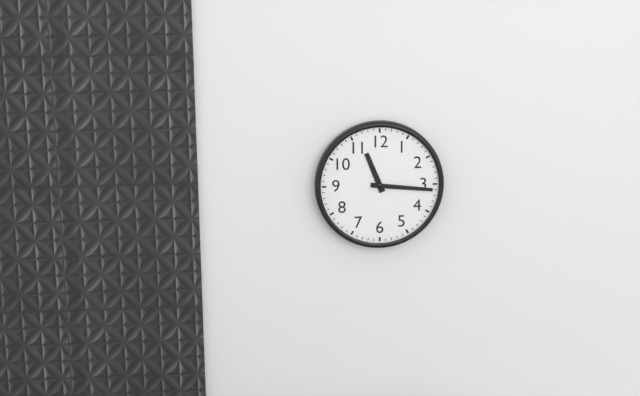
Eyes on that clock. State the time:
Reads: 11:16
